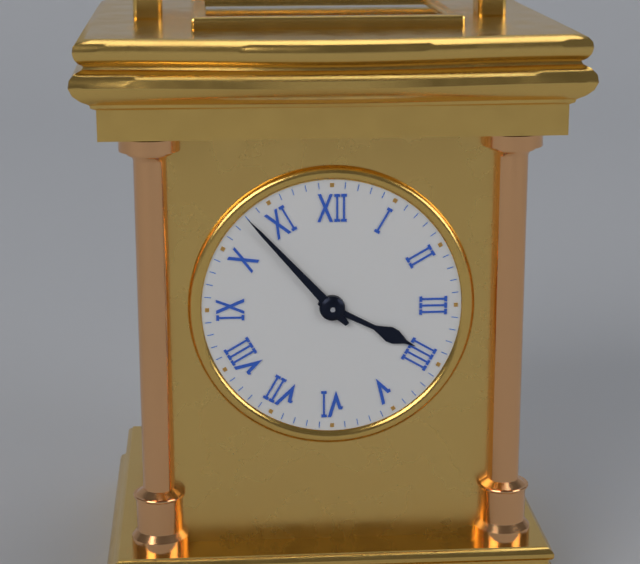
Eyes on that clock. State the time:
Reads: 3:53
